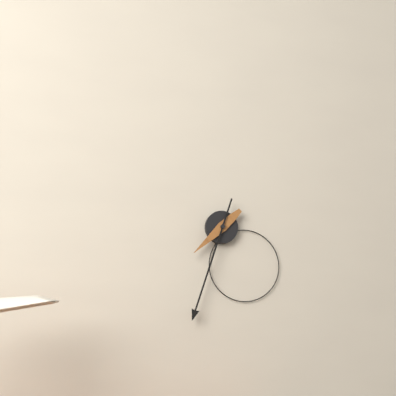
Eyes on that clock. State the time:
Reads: 7:33
